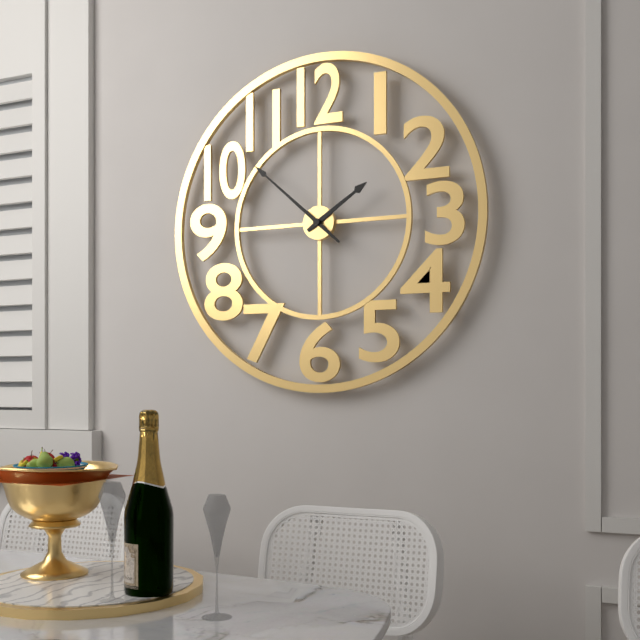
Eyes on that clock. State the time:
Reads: 1:52
